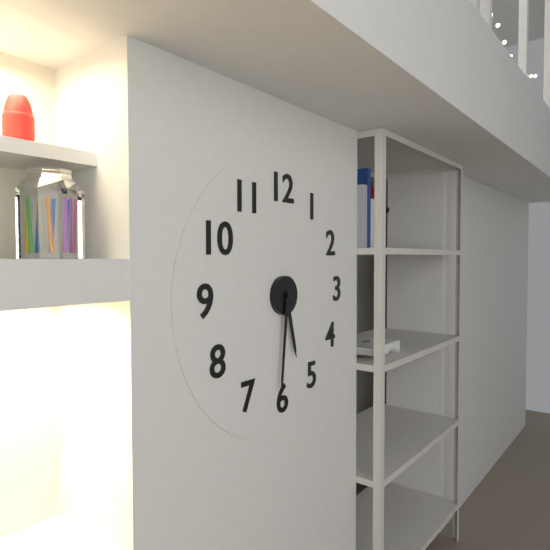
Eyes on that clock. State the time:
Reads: 5:31
